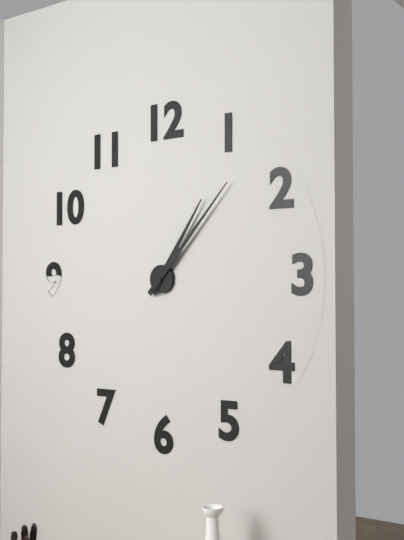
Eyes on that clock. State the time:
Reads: 1:07
